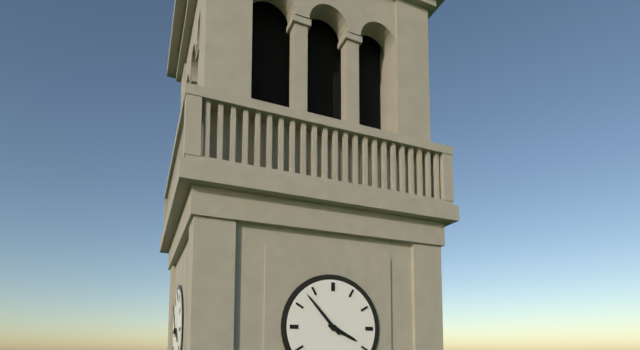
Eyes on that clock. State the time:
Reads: 3:53
